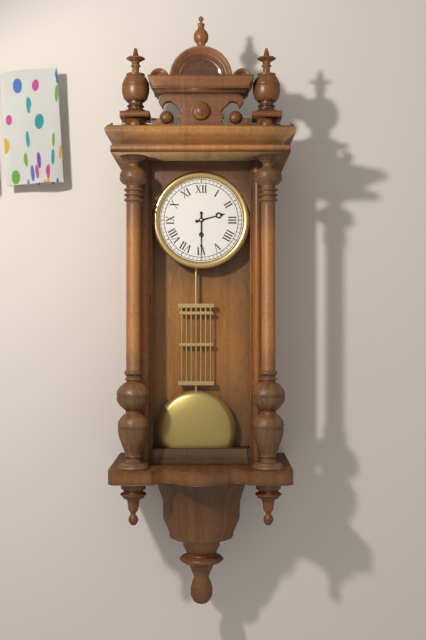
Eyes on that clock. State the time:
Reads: 2:30
